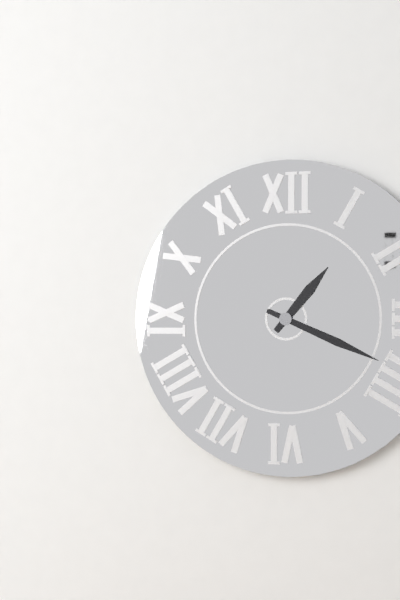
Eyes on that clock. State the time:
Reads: 1:19
